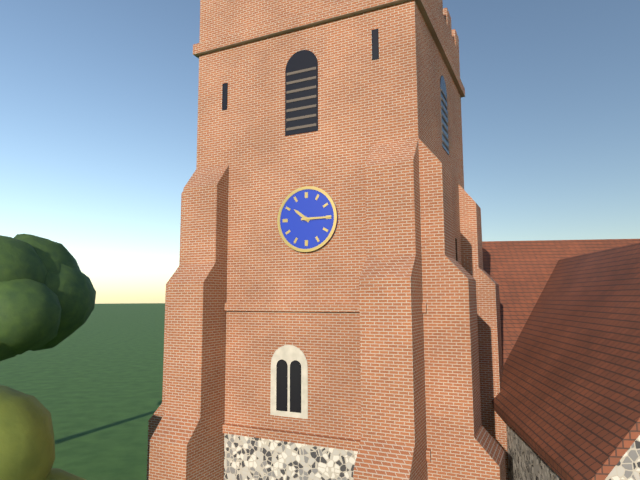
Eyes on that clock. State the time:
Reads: 10:15
